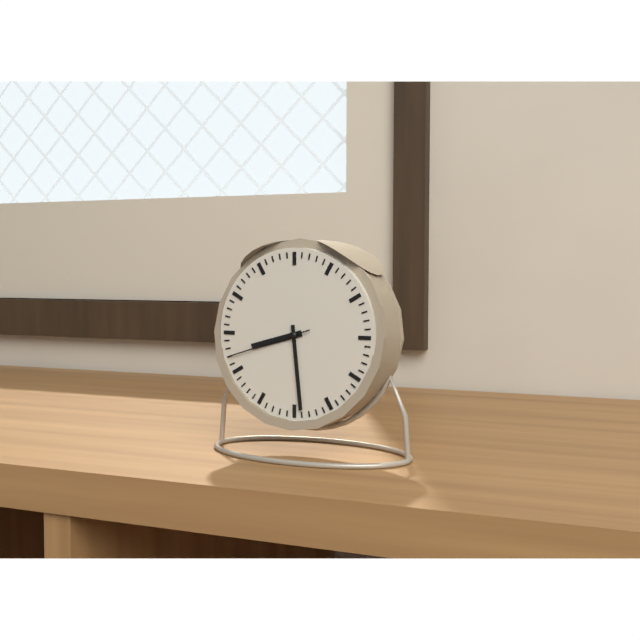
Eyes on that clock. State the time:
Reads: 8:29:42
